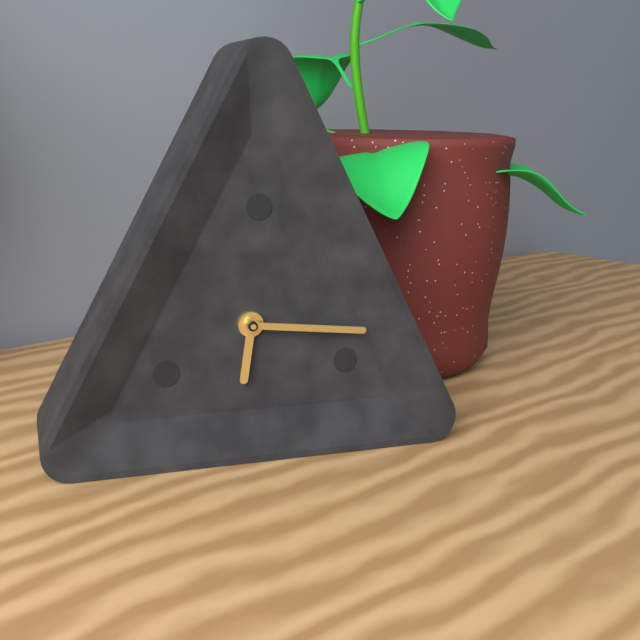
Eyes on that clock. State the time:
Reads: 6:16
